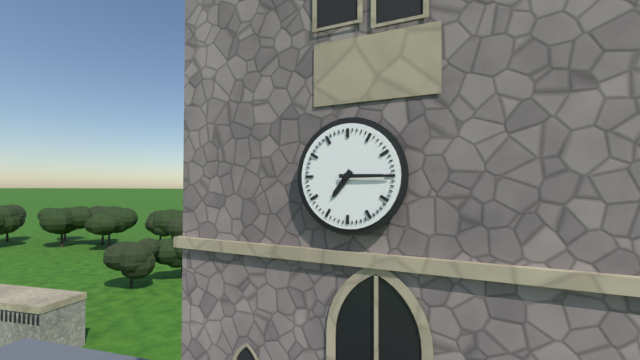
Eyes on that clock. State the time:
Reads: 7:15
